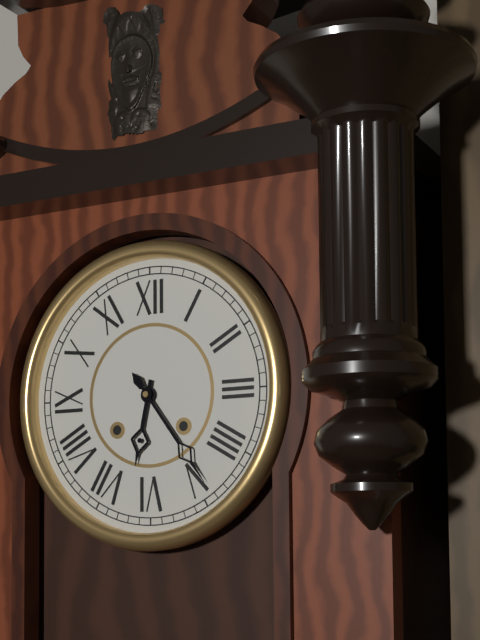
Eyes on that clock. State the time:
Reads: 6:24
